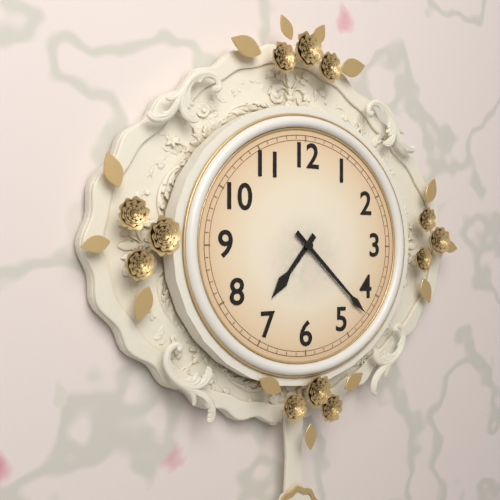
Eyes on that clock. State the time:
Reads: 7:22
